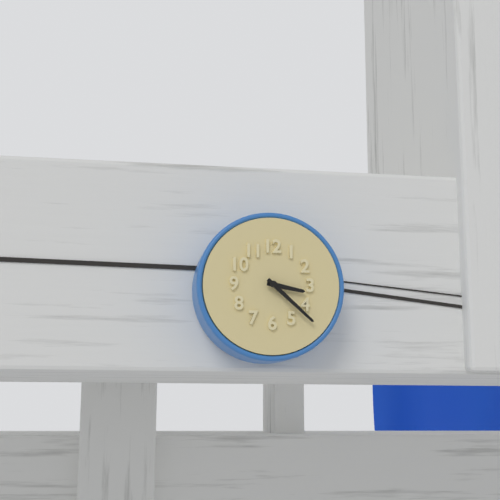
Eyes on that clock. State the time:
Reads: 3:22
